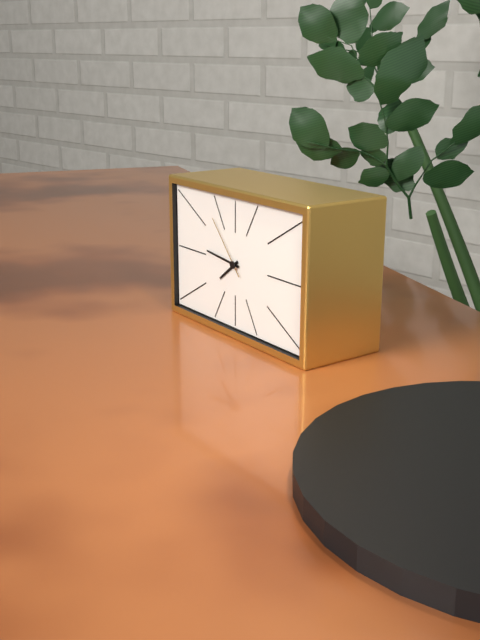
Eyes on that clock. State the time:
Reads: 7:46:53
